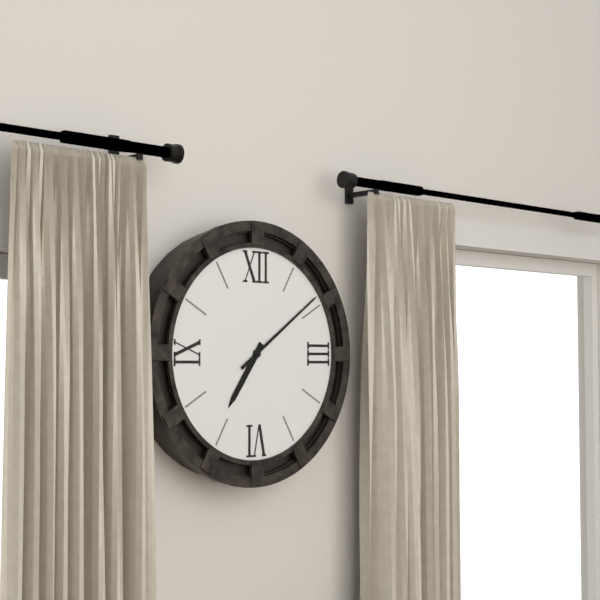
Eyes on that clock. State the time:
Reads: 7:09
